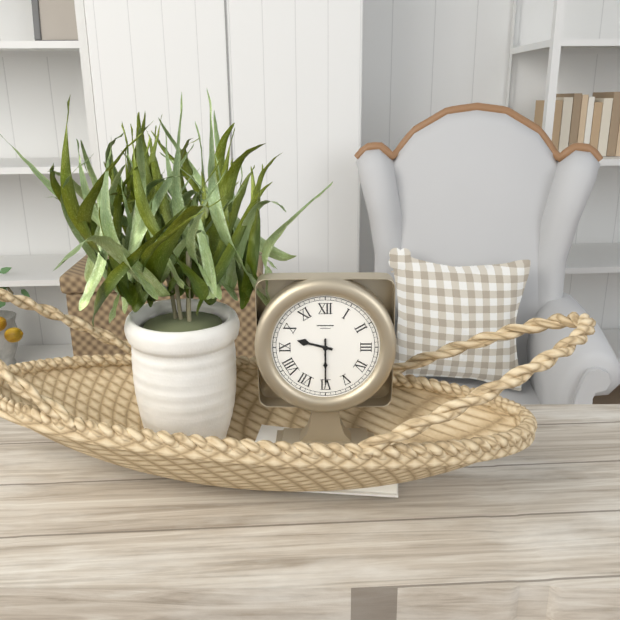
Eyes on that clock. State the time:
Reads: 9:30
